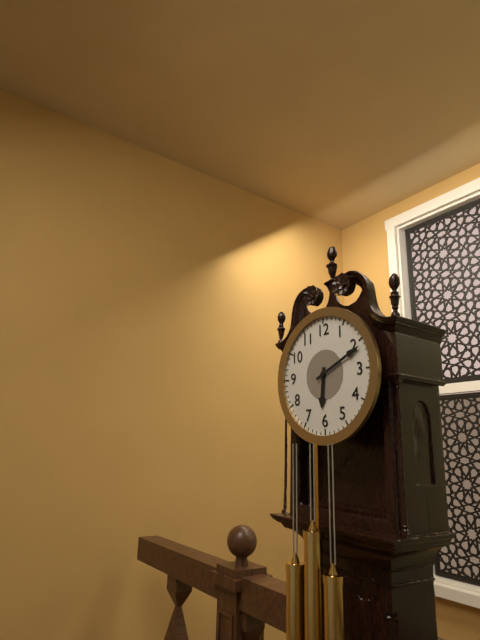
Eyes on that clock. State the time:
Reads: 6:11
